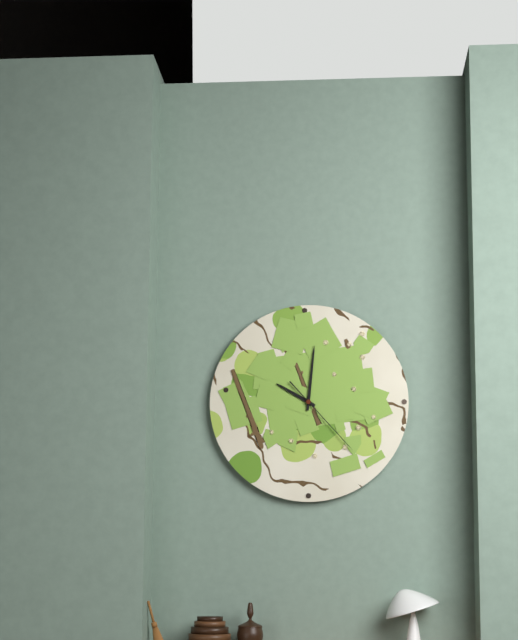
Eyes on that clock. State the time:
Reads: 10:01:23
